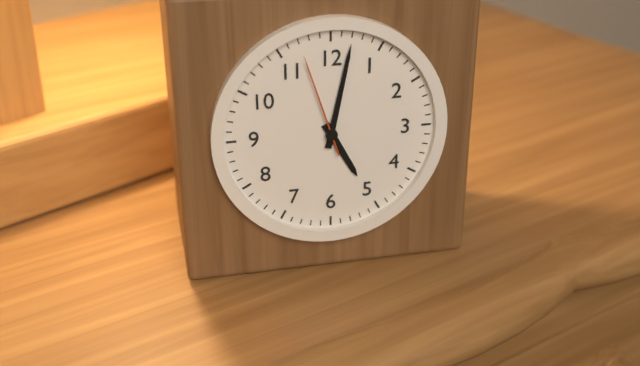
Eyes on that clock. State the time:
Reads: 5:02:57
